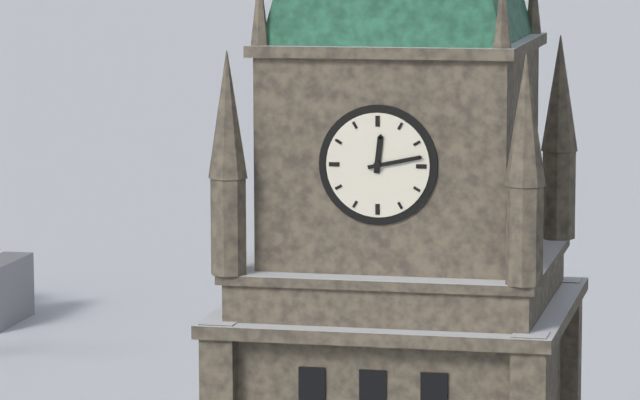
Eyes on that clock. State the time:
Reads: 12:13
